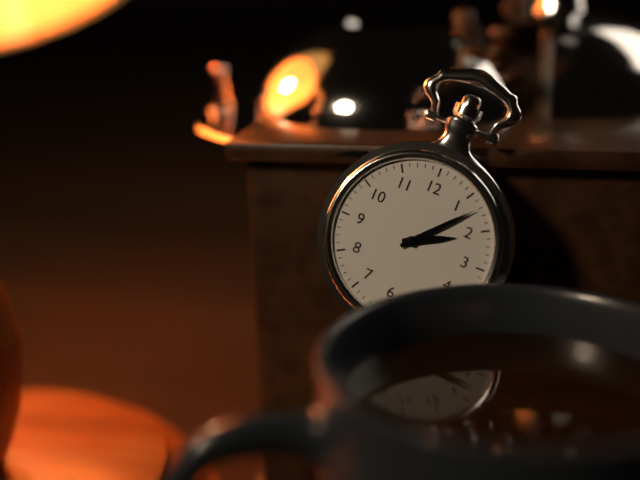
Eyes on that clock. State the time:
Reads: 2:07
